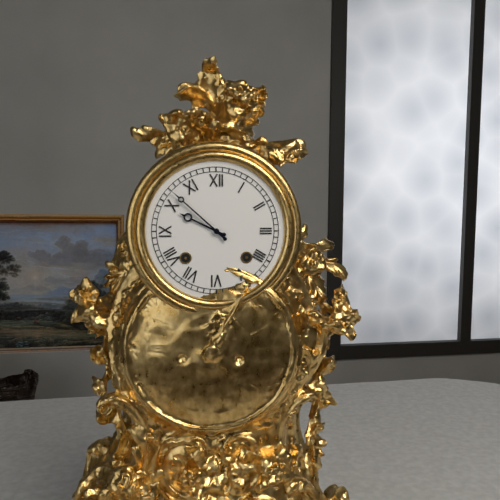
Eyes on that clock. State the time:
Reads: 9:52
